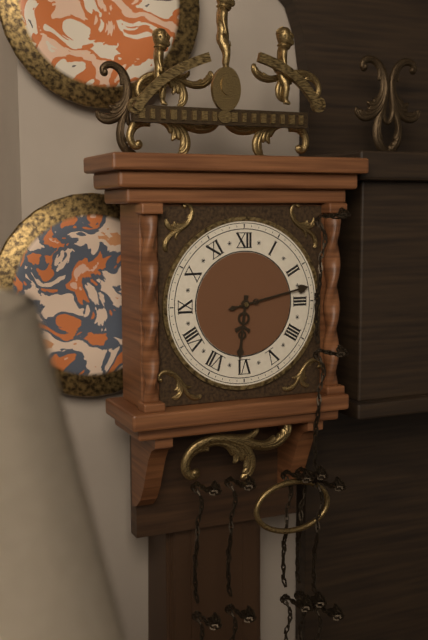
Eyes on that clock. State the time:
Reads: 6:13
